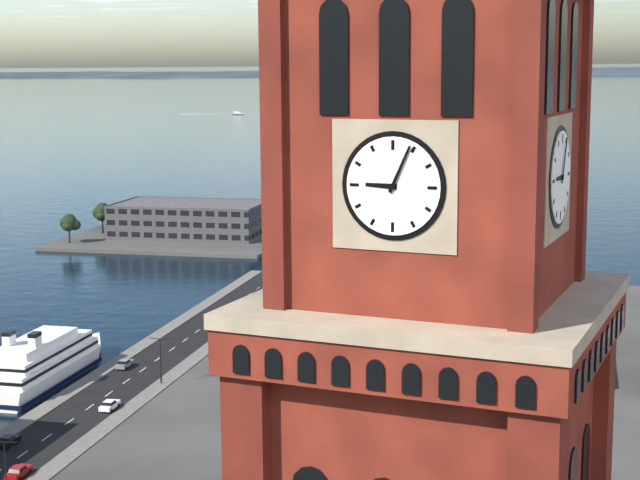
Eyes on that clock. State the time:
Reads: 9:04
